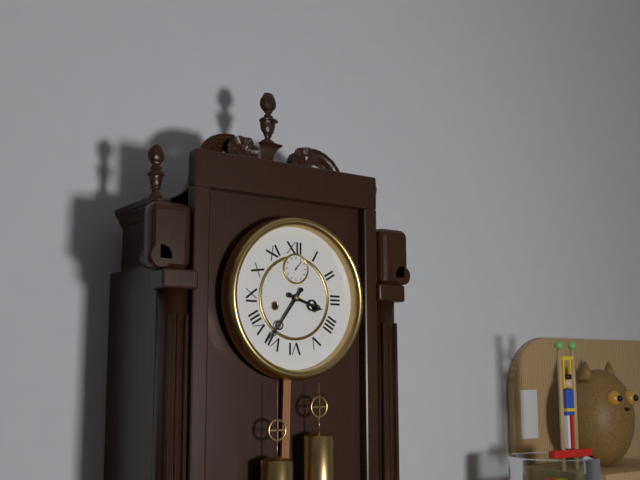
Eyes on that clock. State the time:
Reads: 3:36
